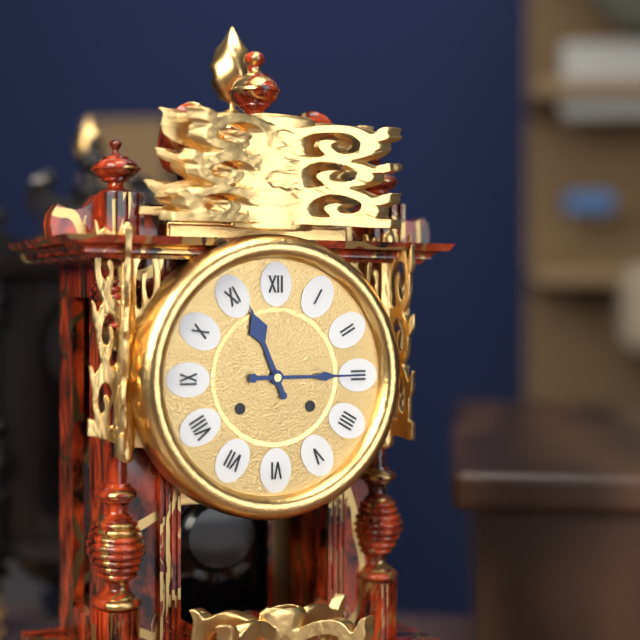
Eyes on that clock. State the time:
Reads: 11:15
